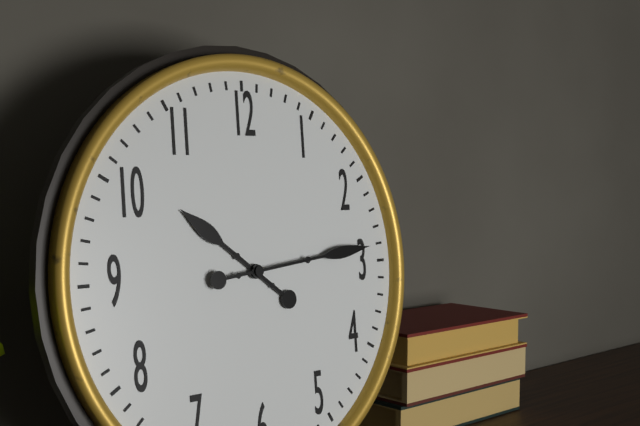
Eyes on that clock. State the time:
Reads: 10:14
